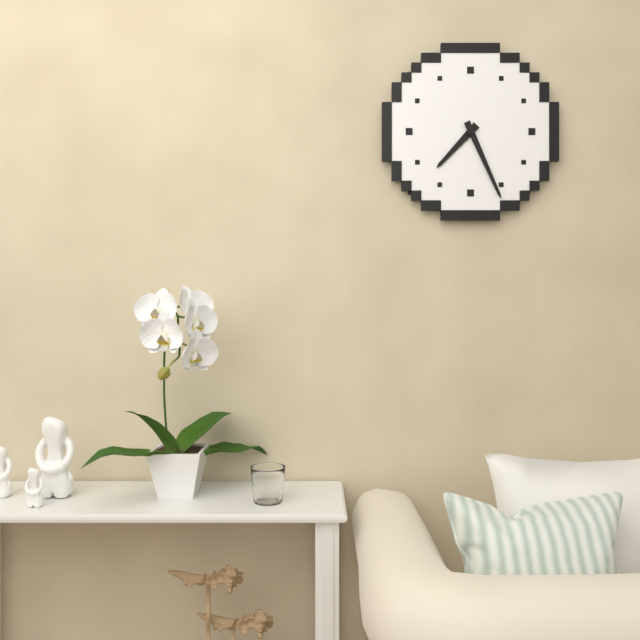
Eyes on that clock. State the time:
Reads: 7:26
